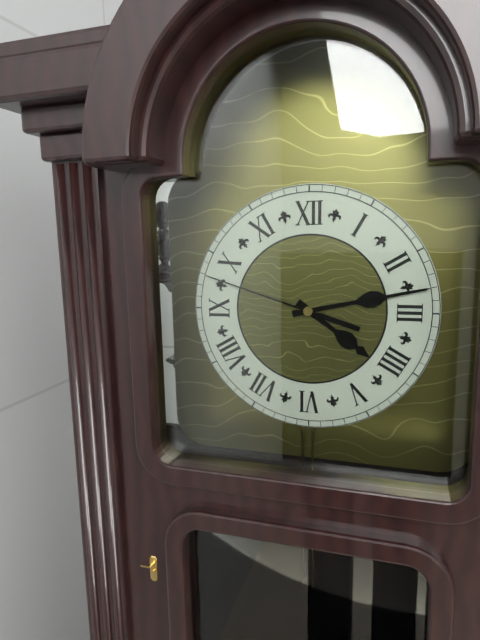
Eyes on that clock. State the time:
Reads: 4:13:48
